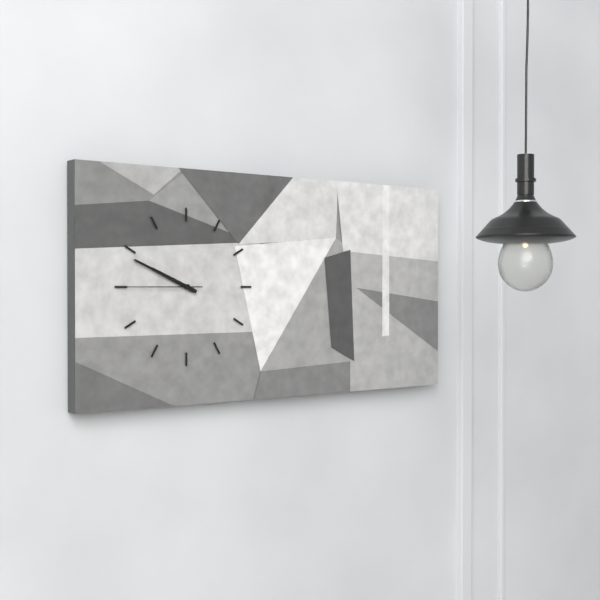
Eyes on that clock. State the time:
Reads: 9:49:45
